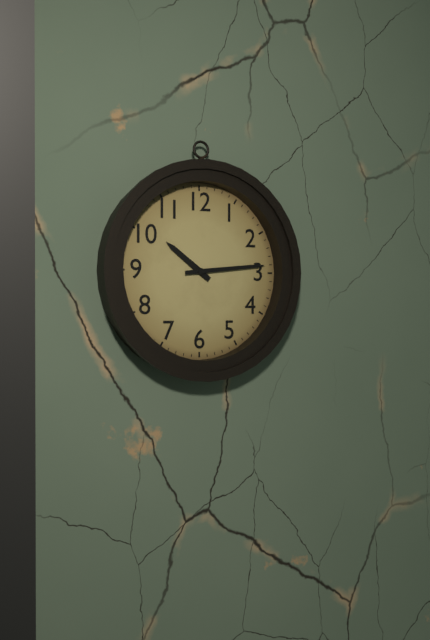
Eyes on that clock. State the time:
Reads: 10:14
